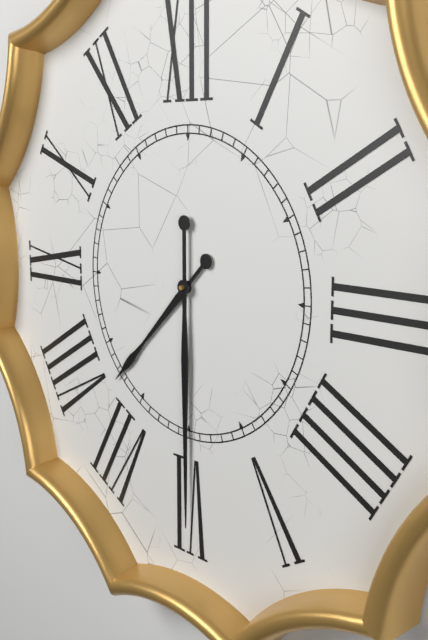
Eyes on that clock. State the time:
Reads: 7:30
